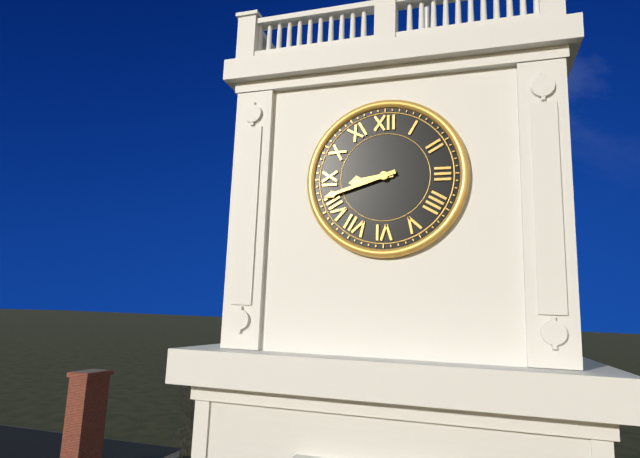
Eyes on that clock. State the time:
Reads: 8:42
